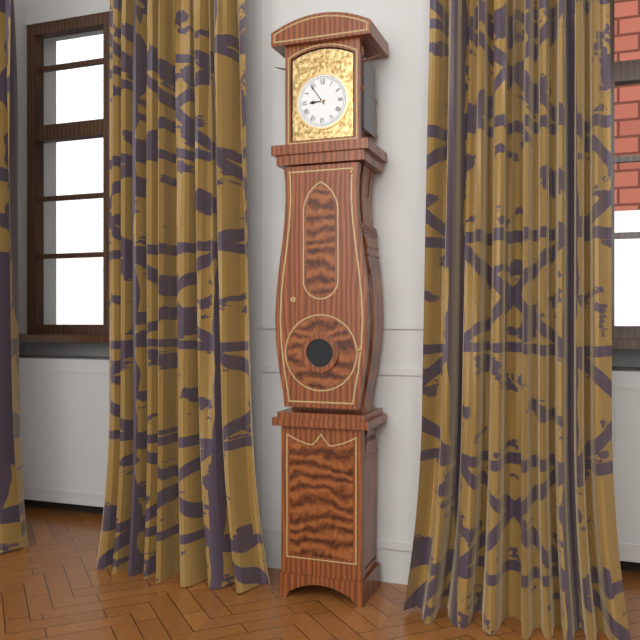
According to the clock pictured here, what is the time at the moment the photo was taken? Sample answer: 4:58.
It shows 8:54
